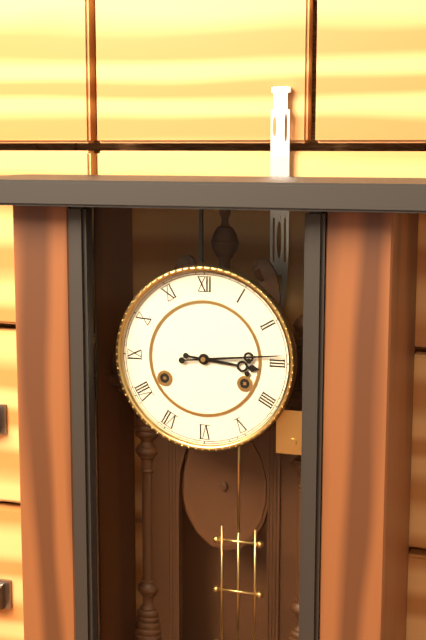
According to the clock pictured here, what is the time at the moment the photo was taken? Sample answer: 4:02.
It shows 3:14
